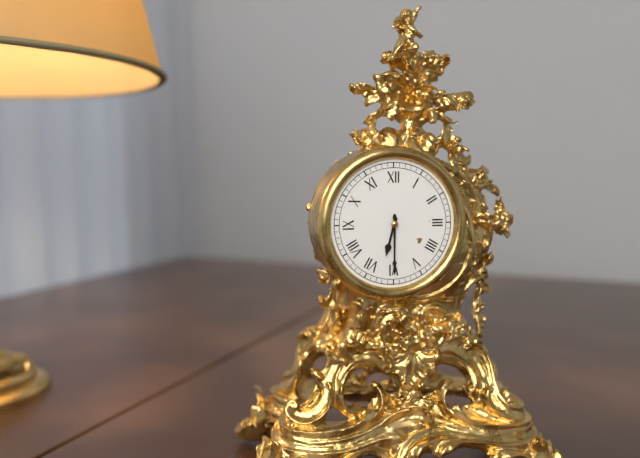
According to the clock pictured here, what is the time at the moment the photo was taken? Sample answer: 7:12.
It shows 6:30
